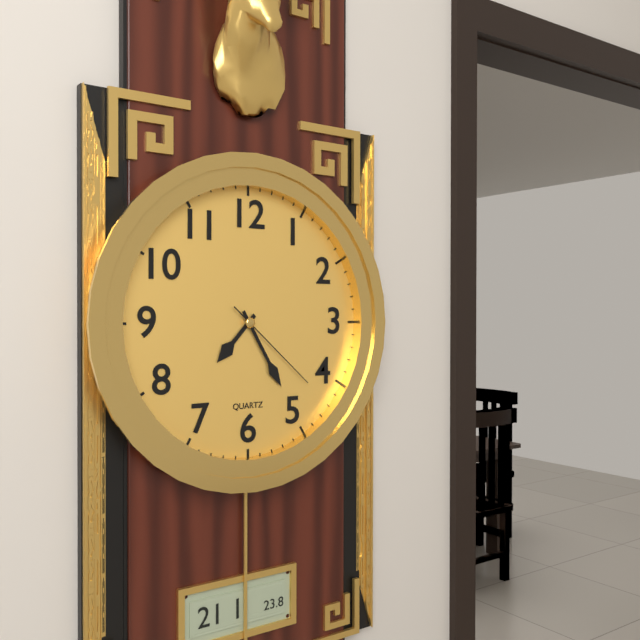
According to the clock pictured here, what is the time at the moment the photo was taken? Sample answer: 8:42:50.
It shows 7:25:22
